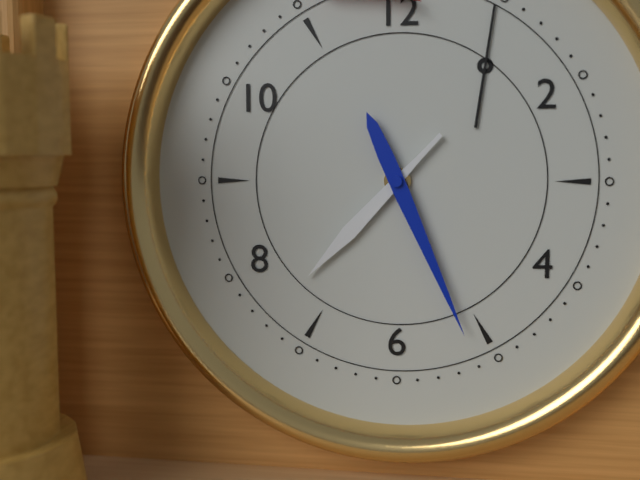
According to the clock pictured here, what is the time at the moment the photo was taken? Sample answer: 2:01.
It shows 7:26
